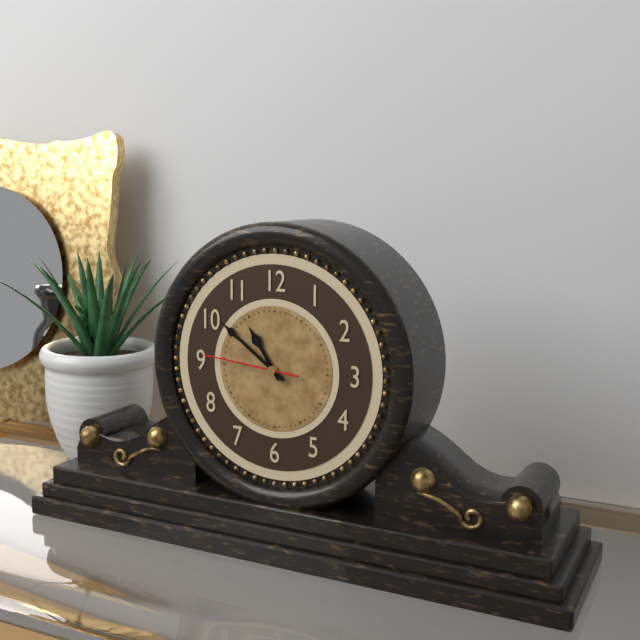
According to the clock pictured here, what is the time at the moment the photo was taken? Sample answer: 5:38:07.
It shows 10:51:46
